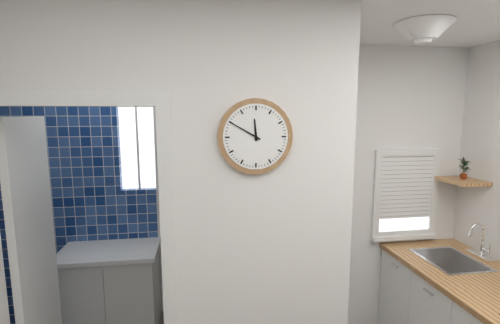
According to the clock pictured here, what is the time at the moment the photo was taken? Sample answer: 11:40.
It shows 11:50
